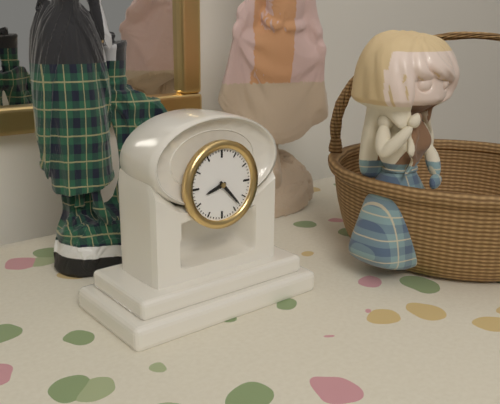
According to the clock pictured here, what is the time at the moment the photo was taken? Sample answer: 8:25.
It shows 8:23
